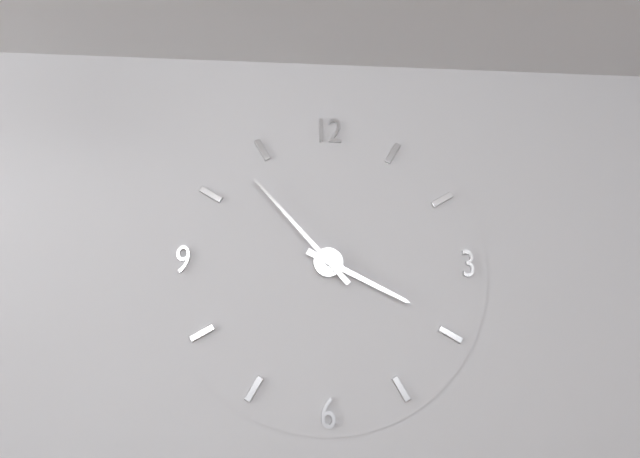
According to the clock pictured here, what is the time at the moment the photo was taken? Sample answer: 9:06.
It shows 3:53
